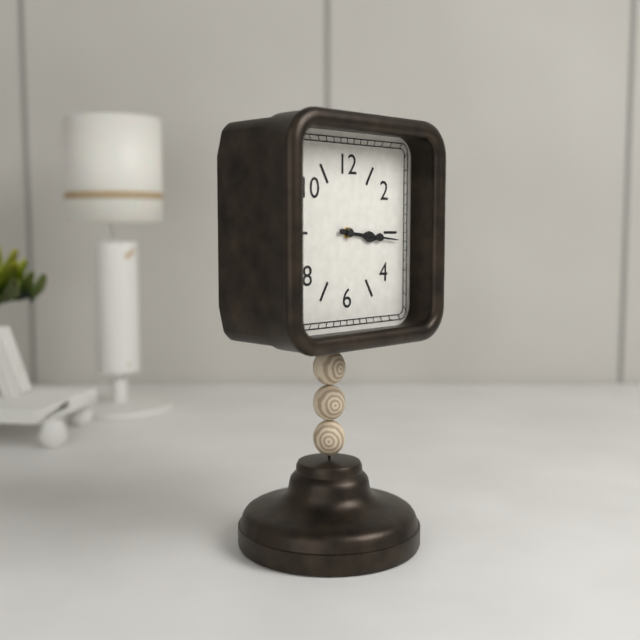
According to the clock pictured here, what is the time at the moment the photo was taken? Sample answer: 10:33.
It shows 3:16
